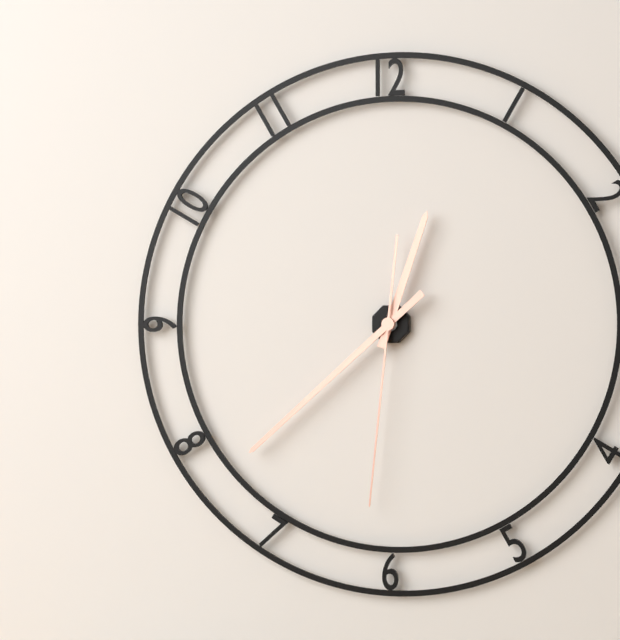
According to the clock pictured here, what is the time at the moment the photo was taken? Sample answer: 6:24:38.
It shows 12:38:31
